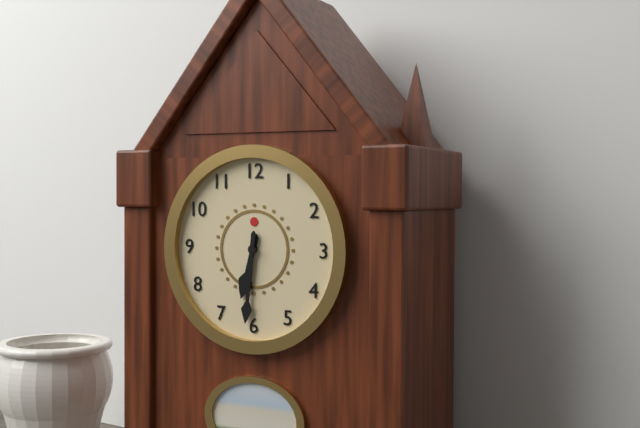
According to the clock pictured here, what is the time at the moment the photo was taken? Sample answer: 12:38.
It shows 6:31
